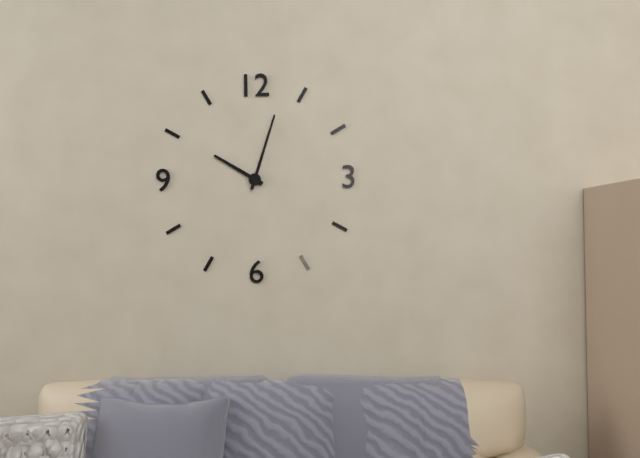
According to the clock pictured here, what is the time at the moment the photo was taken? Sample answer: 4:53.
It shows 10:03
